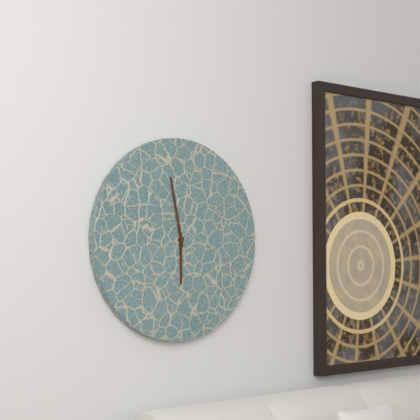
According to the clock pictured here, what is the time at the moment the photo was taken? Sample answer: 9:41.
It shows 5:58
